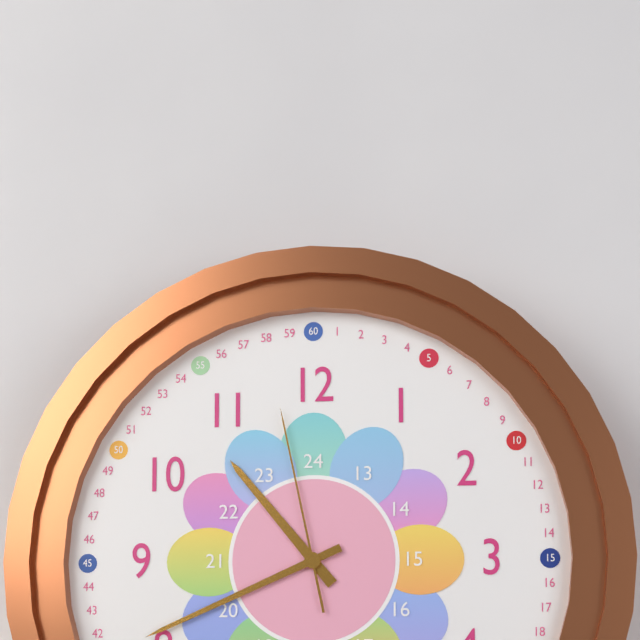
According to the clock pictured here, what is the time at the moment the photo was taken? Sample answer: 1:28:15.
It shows 10:41:58
